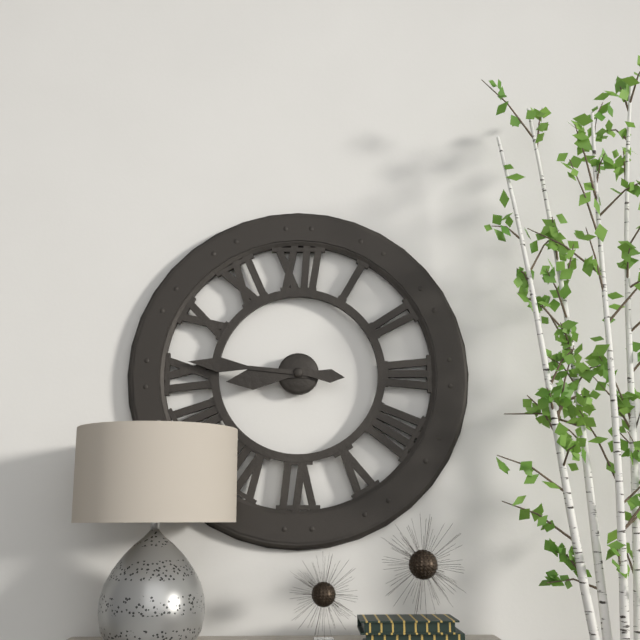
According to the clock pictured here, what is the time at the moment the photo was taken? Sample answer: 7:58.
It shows 8:46
